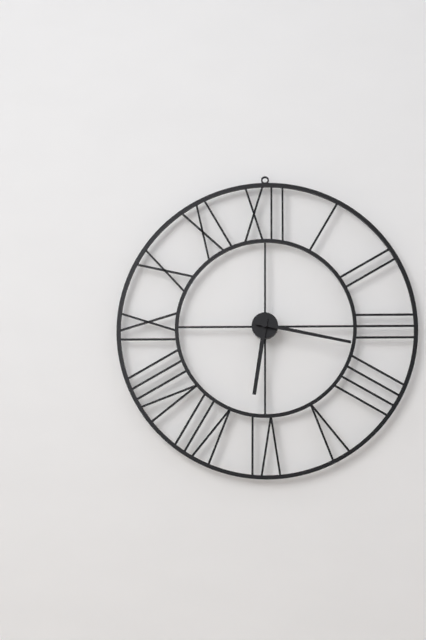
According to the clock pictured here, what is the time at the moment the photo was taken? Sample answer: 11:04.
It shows 6:17
